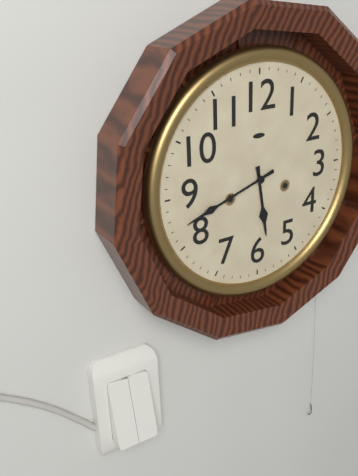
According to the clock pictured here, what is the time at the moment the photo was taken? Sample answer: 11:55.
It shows 5:42
